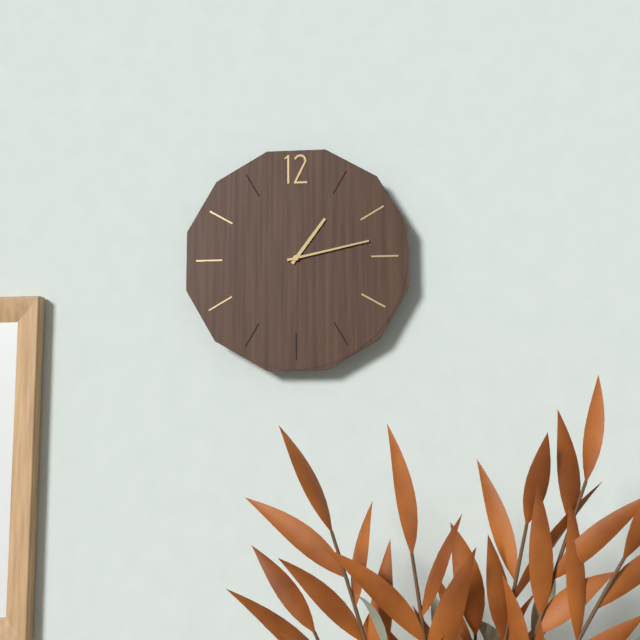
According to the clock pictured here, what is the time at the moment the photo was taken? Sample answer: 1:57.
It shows 1:13
